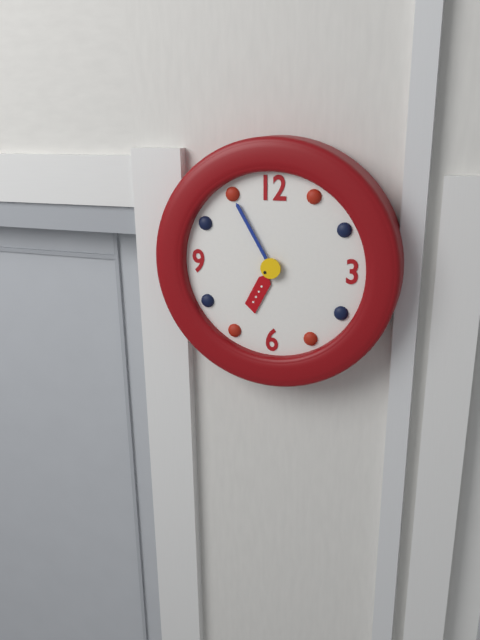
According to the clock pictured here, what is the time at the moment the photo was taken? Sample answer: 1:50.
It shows 6:55
